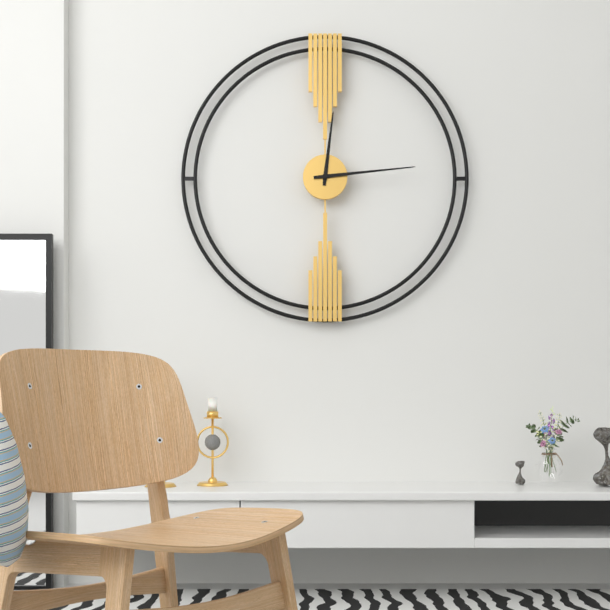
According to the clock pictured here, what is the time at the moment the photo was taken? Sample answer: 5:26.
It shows 12:14
